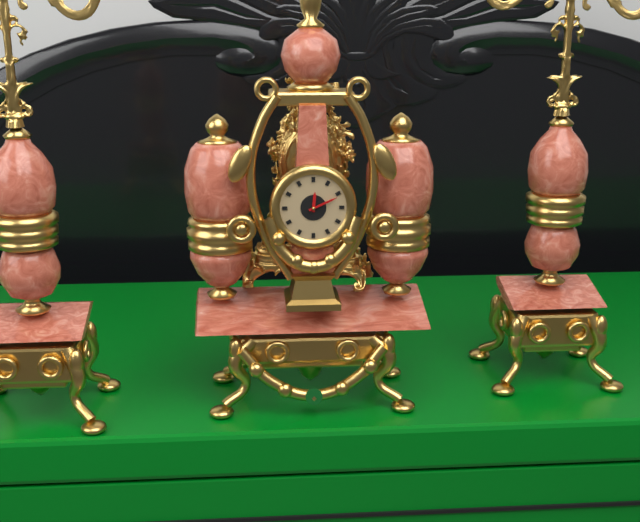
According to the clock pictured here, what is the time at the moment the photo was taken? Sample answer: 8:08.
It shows 12:11
